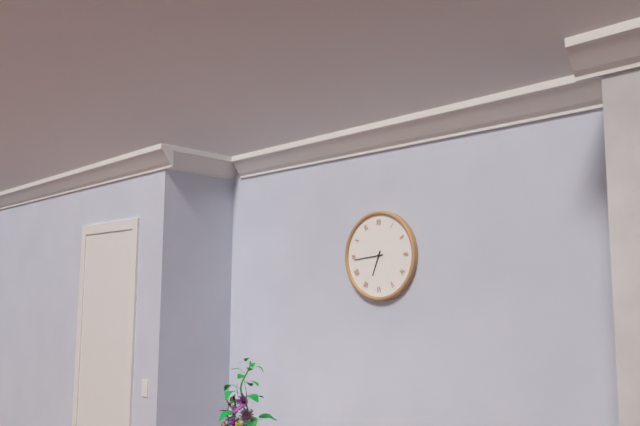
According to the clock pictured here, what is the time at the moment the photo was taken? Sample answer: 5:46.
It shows 6:44
